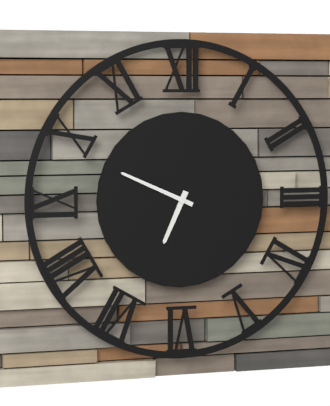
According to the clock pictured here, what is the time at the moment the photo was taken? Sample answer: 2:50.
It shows 6:49
